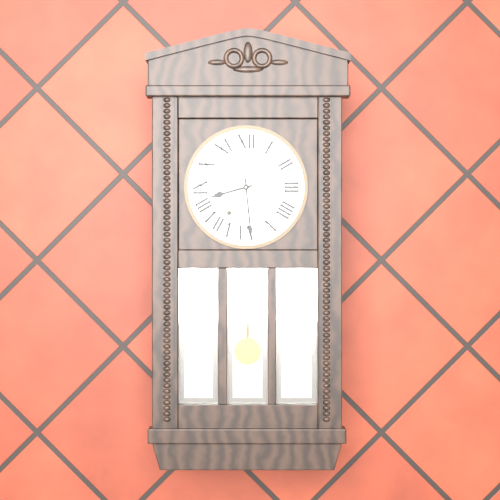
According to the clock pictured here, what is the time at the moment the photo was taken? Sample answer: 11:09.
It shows 8:29
